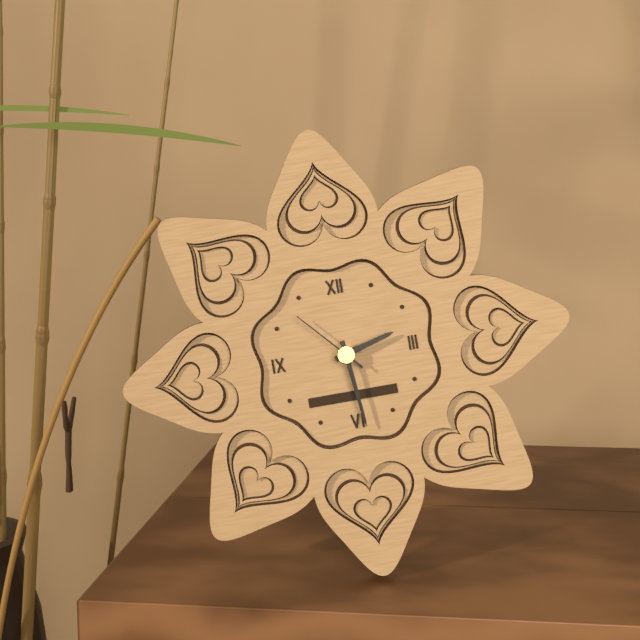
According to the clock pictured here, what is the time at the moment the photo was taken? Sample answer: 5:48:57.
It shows 2:29:53
